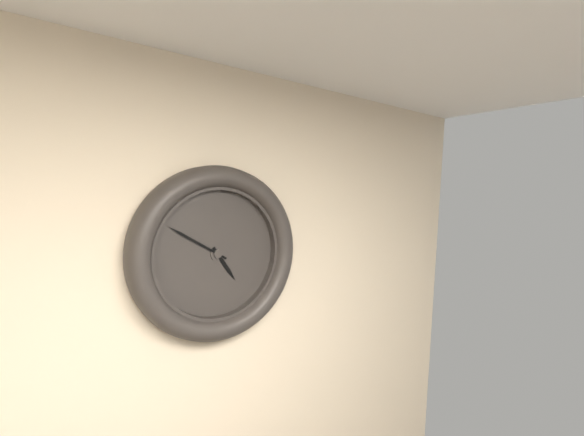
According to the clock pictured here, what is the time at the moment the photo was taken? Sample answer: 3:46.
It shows 4:50
